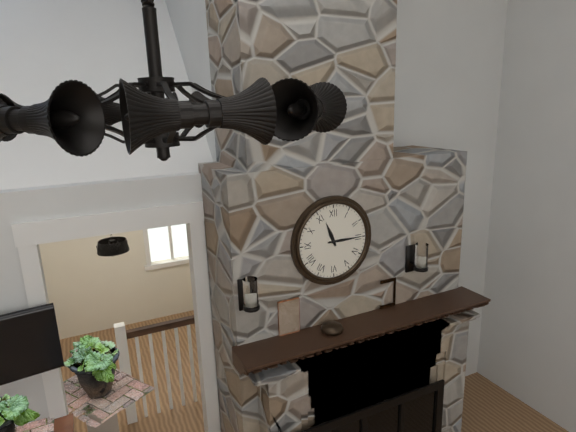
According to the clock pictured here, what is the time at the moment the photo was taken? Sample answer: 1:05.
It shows 11:15
